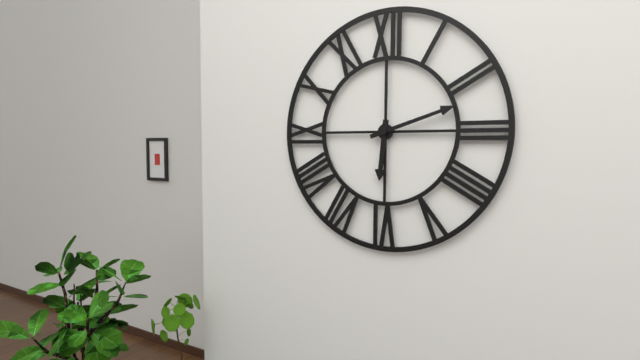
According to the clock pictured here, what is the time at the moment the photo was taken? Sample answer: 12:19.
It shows 6:12
